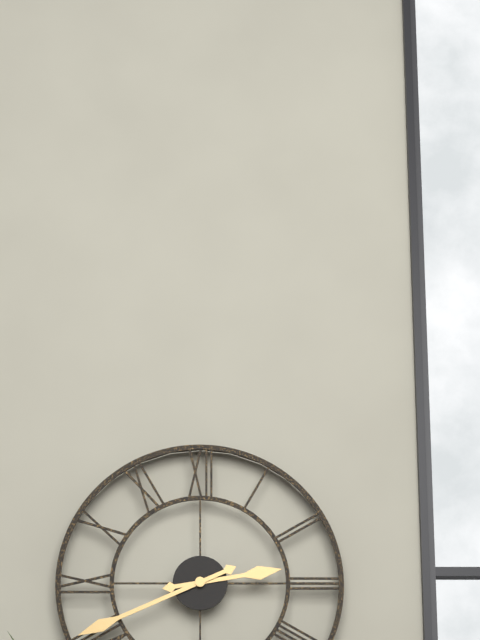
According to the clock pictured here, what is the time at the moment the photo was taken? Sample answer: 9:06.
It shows 2:41
